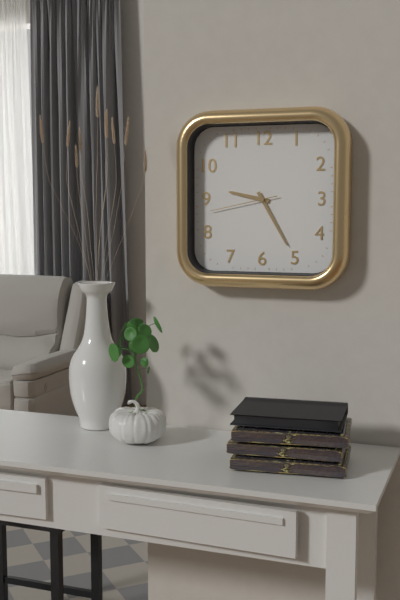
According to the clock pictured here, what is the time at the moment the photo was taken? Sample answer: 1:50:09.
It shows 9:25:43
